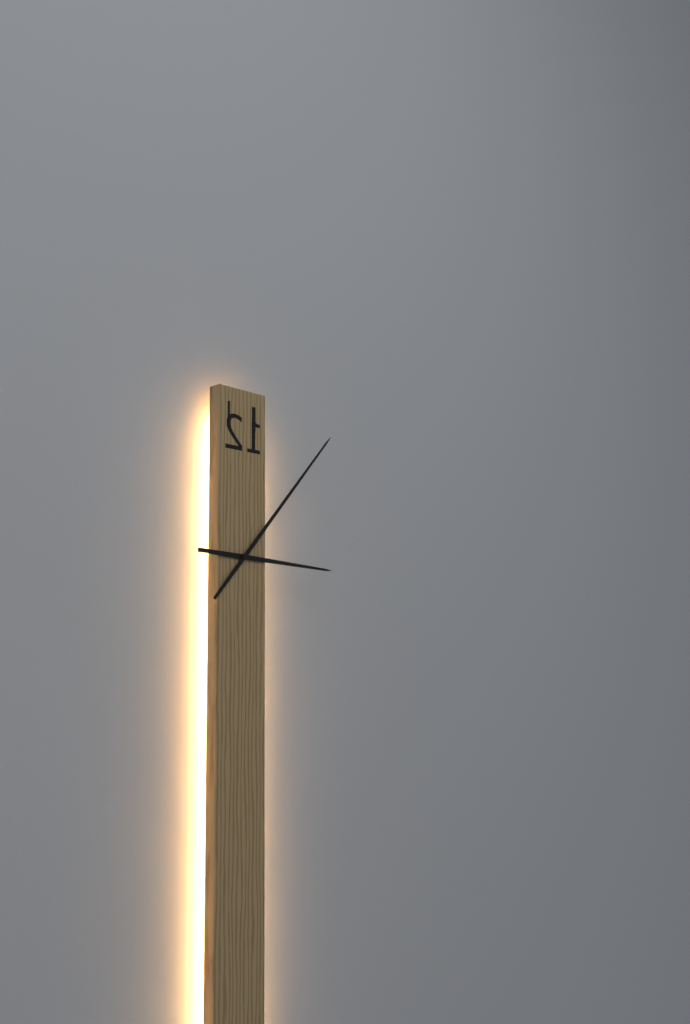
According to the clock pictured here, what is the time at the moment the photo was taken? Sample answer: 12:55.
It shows 3:07
